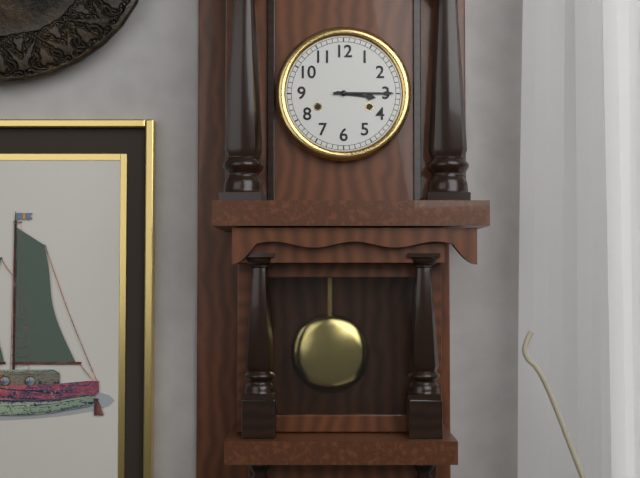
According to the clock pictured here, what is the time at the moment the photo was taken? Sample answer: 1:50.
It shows 3:15
